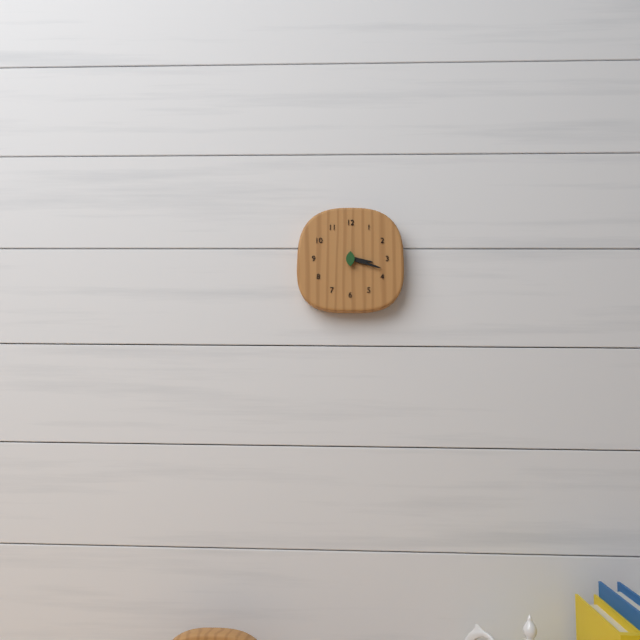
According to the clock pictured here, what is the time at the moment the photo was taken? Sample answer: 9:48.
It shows 3:18
